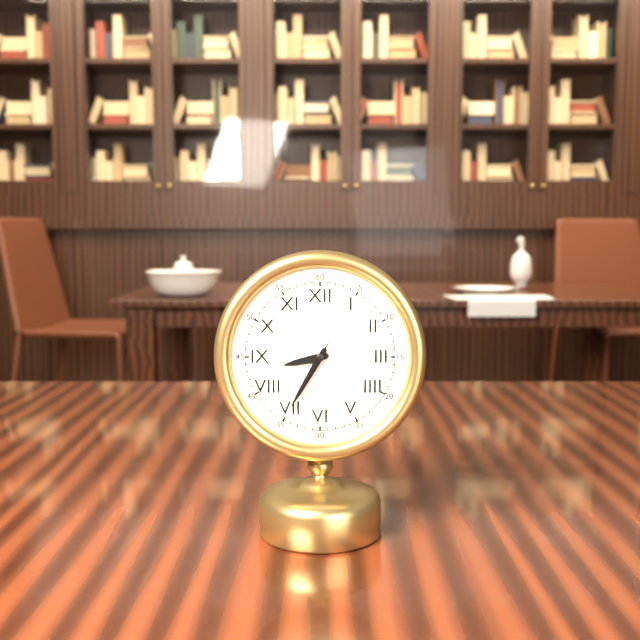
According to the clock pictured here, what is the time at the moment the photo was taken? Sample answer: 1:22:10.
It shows 8:35:35
